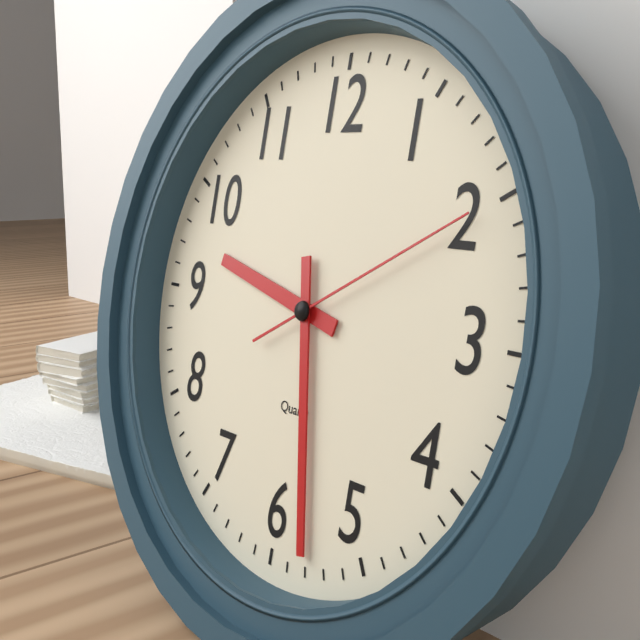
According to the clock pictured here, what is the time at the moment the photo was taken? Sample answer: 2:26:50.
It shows 9:28:10
